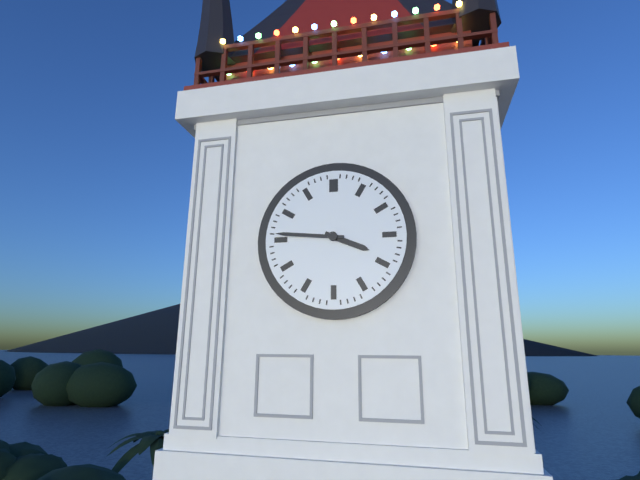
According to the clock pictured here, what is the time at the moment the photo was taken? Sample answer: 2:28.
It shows 3:46
